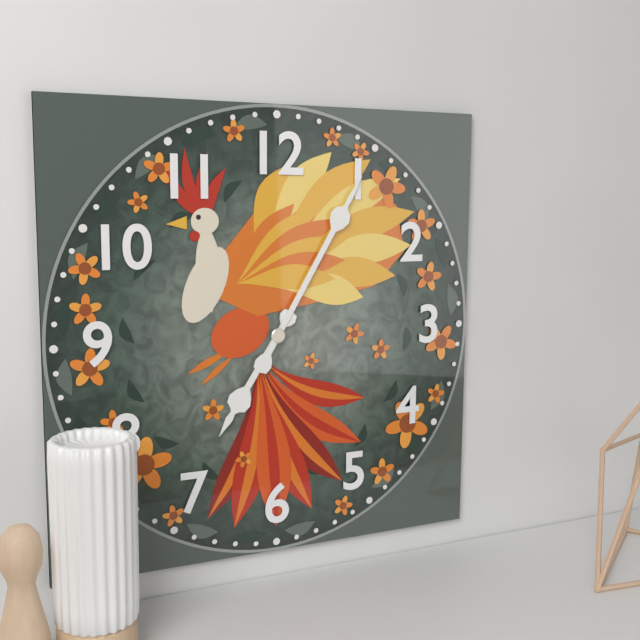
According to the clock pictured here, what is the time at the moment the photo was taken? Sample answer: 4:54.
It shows 7:05
